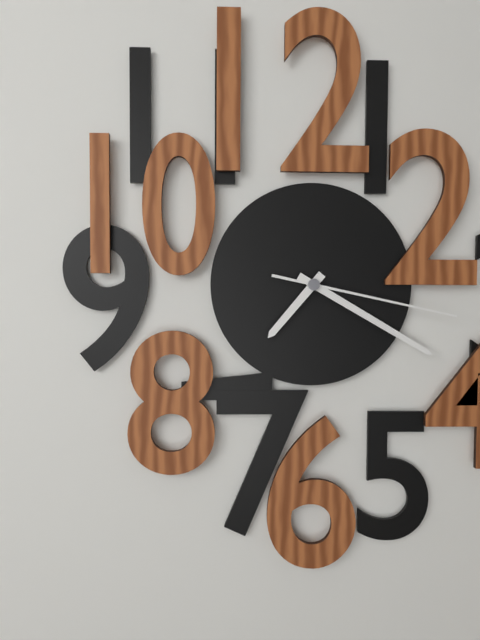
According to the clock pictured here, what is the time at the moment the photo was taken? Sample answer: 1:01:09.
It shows 7:20:17
